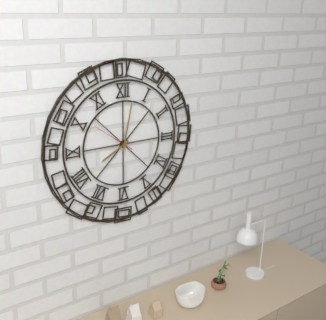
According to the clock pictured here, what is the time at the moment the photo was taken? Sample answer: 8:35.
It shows 8:02
